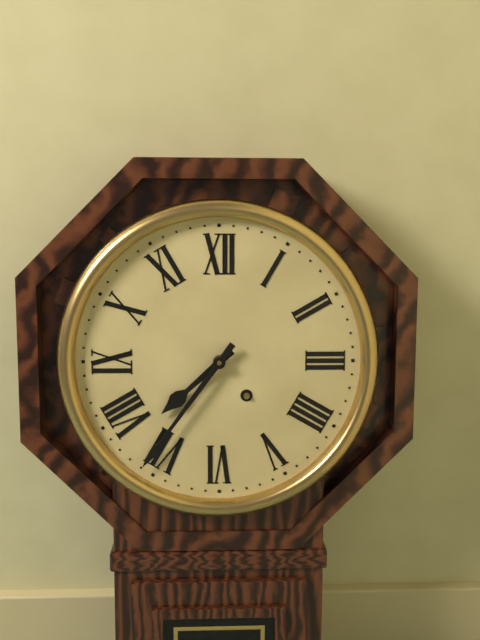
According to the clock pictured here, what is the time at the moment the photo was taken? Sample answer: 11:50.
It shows 7:36
